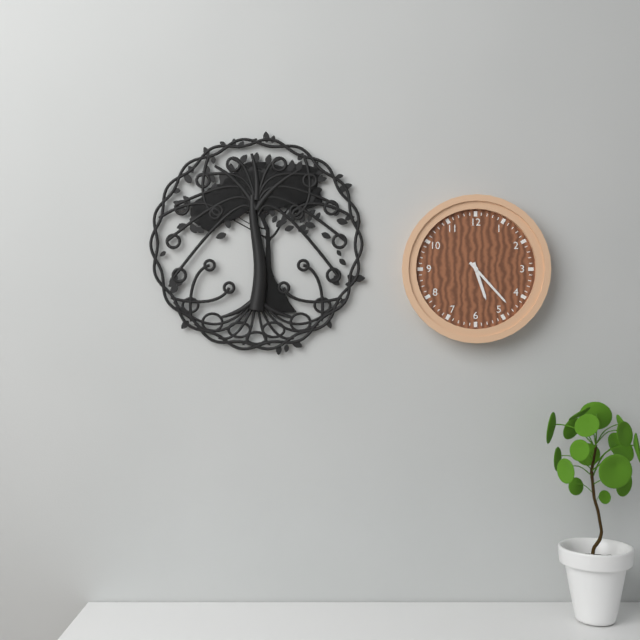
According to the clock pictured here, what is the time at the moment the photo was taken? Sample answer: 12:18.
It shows 5:23
